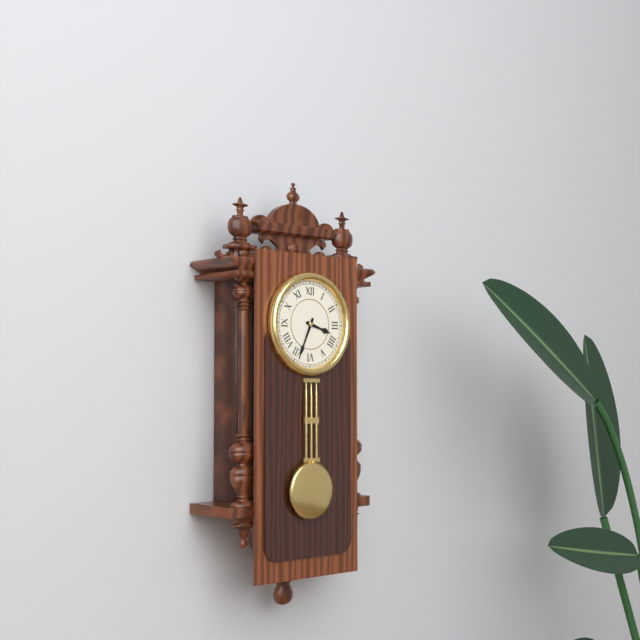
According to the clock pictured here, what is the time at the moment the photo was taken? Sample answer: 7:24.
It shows 3:34
